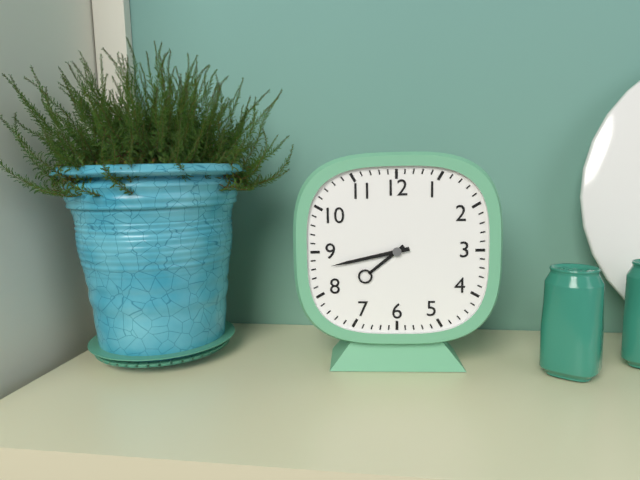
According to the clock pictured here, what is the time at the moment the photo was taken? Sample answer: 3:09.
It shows 7:43
